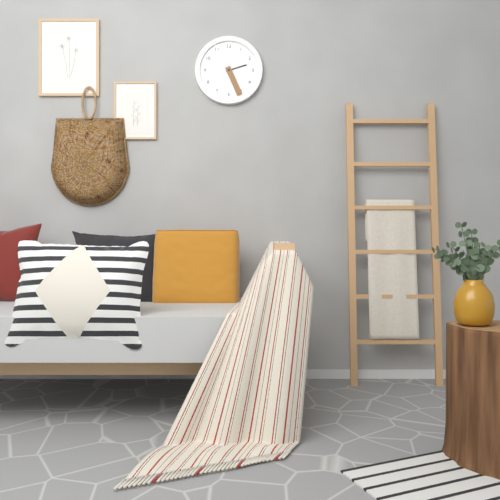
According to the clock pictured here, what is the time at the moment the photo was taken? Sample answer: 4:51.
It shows 2:26
